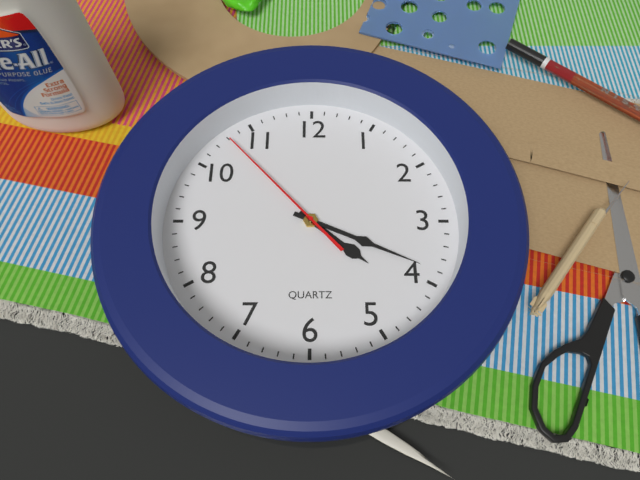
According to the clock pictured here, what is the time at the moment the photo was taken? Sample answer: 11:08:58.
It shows 4:19:53
